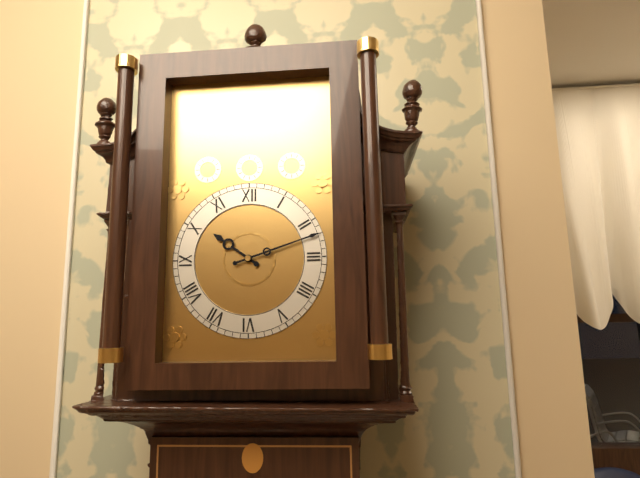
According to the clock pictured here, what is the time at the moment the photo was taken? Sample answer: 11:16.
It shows 10:12
